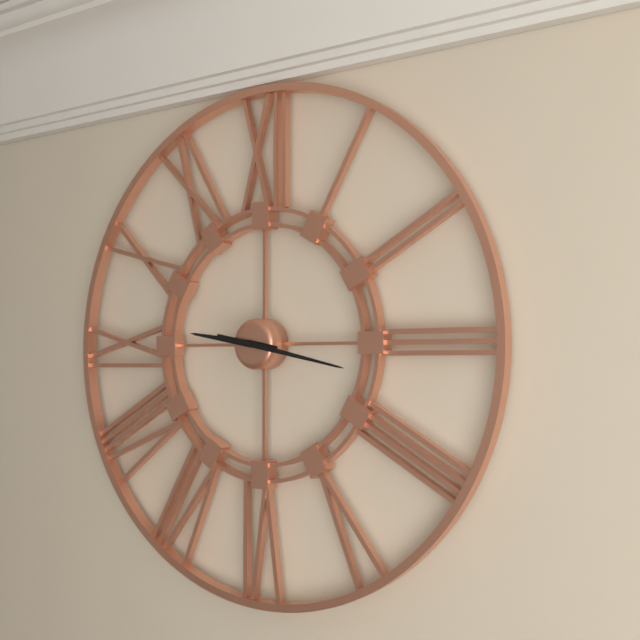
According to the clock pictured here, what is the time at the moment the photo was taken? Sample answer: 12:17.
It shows 9:17
